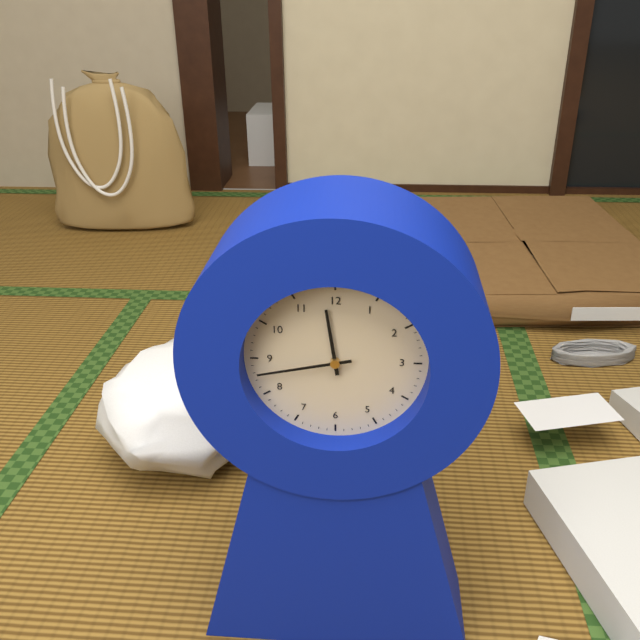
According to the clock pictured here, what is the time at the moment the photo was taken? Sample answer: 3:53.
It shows 11:43
